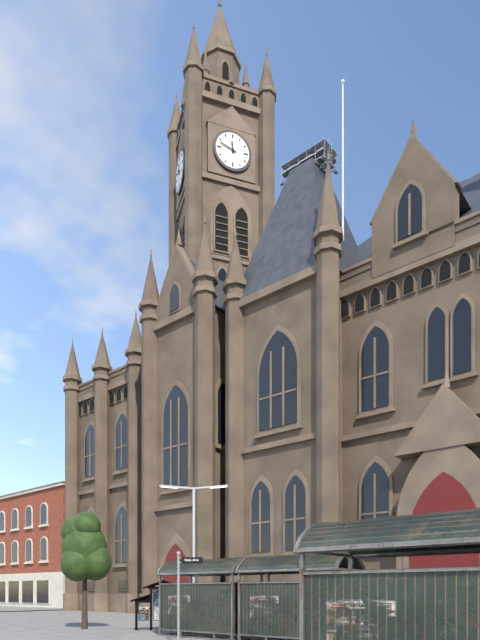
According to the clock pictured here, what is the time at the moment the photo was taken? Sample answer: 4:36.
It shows 11:48
